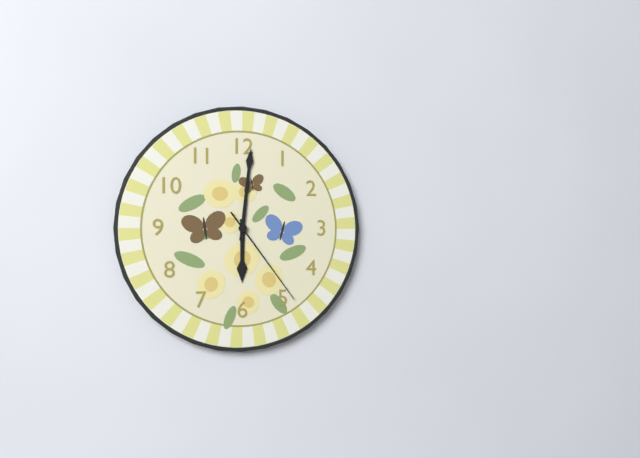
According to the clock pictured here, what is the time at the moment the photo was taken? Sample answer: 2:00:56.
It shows 6:01:24
